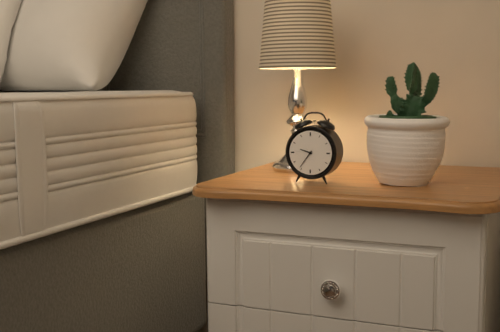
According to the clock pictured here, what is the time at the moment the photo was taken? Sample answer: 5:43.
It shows 9:36
